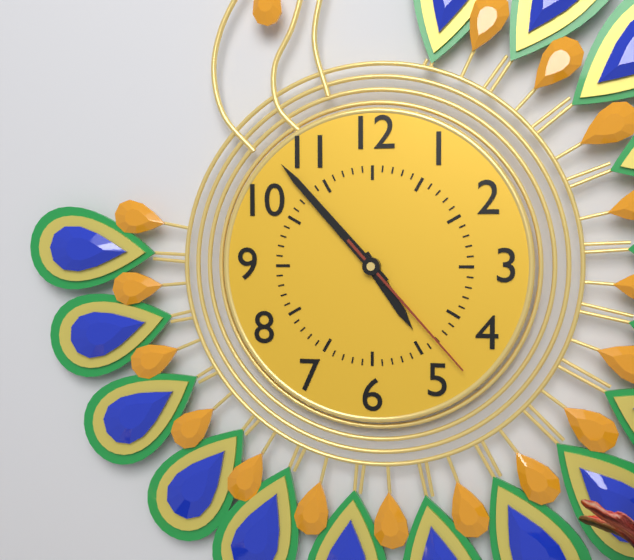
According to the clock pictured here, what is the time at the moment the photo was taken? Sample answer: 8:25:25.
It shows 4:53:23
